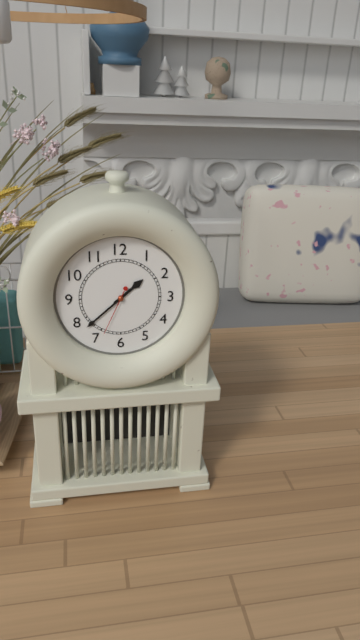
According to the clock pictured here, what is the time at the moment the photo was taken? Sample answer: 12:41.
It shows 1:38
